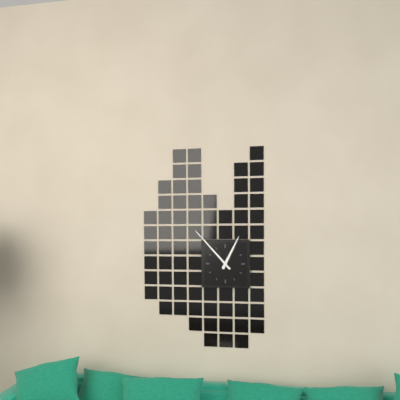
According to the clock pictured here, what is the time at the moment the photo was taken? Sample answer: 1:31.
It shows 12:53
